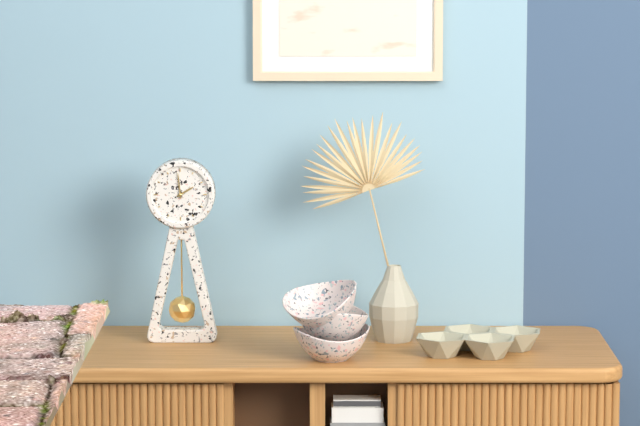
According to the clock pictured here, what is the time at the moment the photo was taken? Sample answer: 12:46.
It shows 1:59
